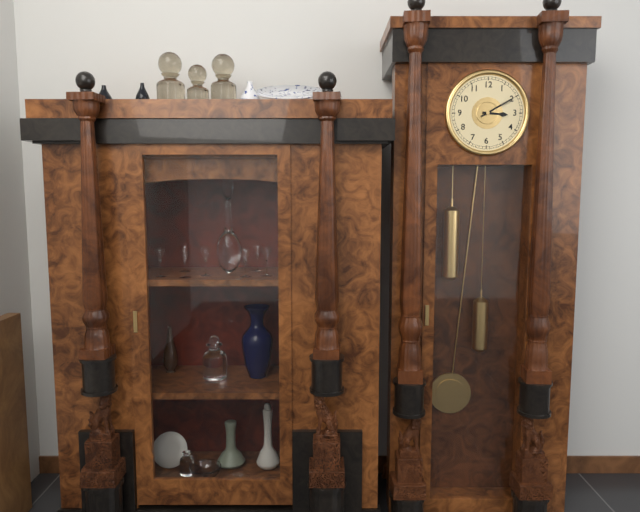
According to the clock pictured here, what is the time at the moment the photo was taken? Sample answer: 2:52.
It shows 3:10
